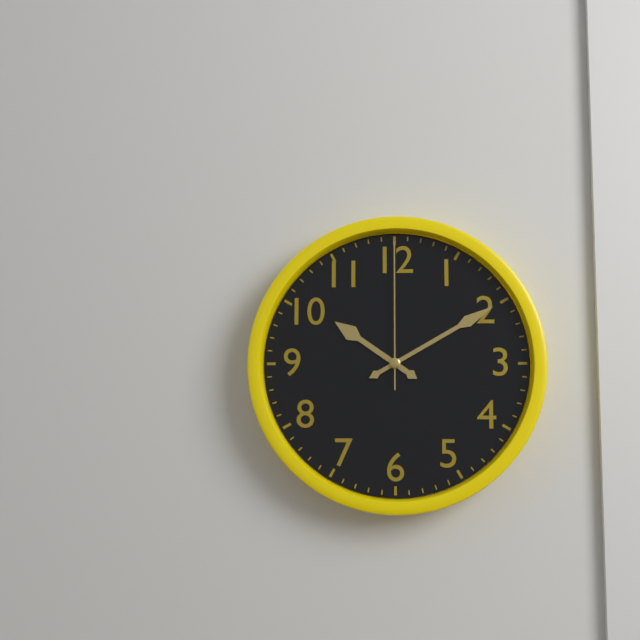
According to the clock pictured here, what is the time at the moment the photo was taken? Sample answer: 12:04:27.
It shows 10:10:00
